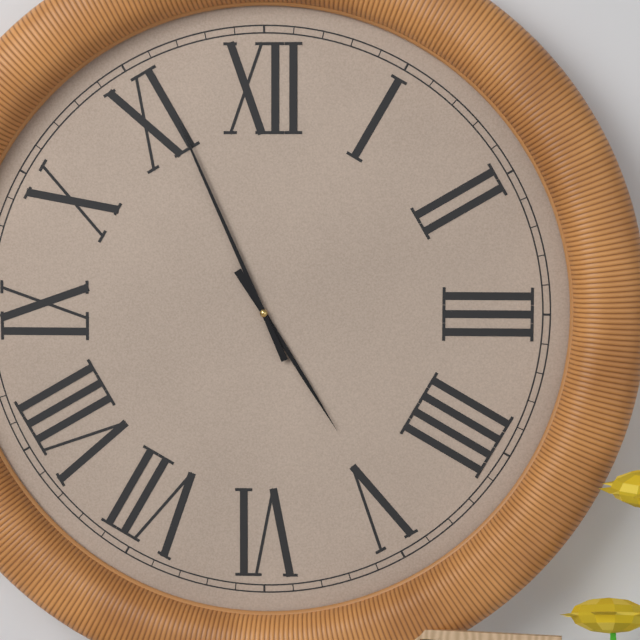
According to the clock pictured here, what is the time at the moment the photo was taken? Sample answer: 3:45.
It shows 4:56
